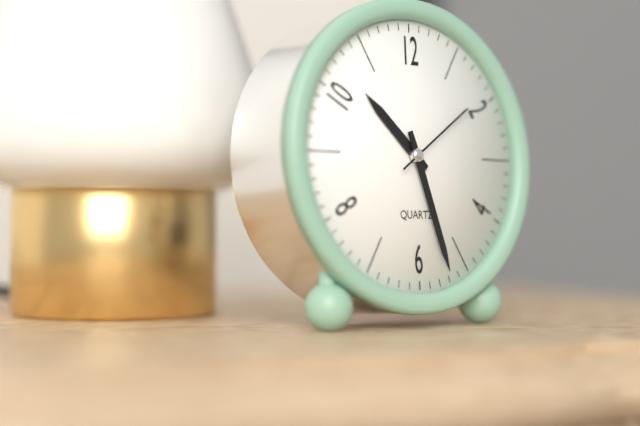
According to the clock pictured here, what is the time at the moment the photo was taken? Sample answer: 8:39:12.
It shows 10:27:09
